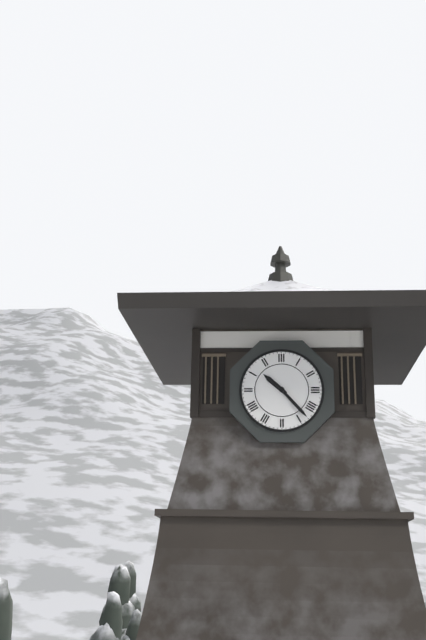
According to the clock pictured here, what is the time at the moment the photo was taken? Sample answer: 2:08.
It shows 10:23
